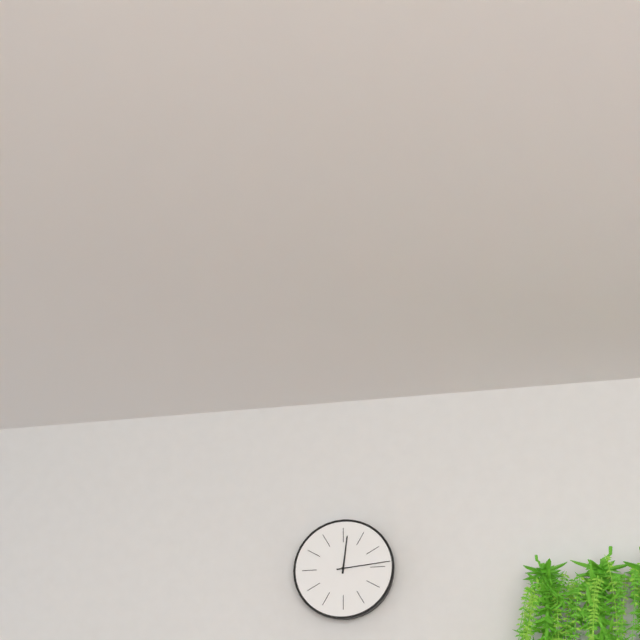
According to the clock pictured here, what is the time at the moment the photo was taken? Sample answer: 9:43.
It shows 12:14
